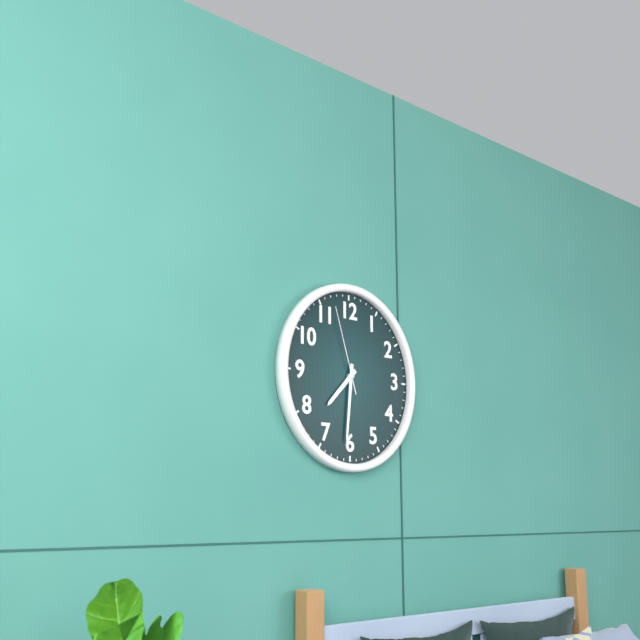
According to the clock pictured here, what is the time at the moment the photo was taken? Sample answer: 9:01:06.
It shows 7:31:57
